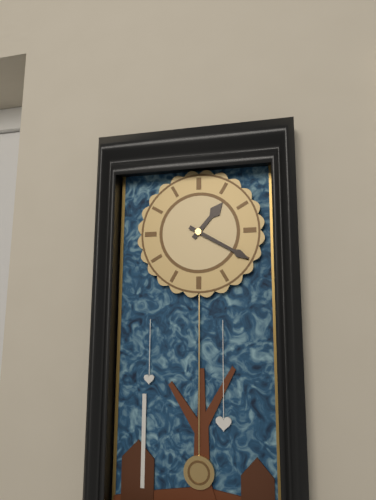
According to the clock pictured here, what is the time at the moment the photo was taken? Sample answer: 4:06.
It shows 1:20
